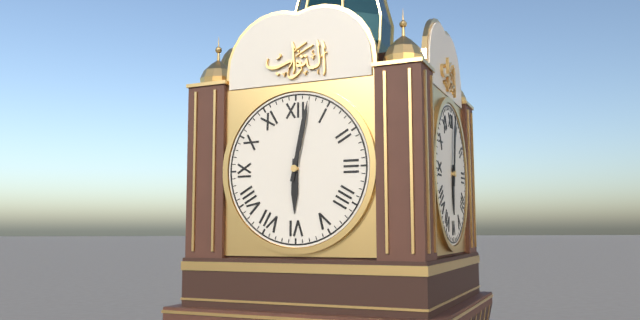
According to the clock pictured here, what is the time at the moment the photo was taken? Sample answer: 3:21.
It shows 6:02
